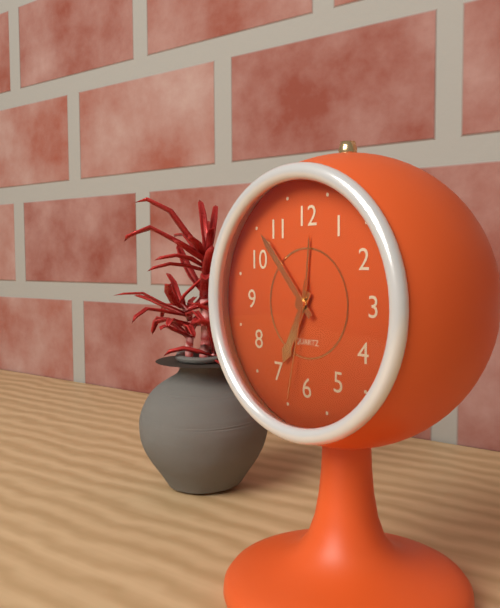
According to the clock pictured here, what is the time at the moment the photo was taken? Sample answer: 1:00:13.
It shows 6:53:32
